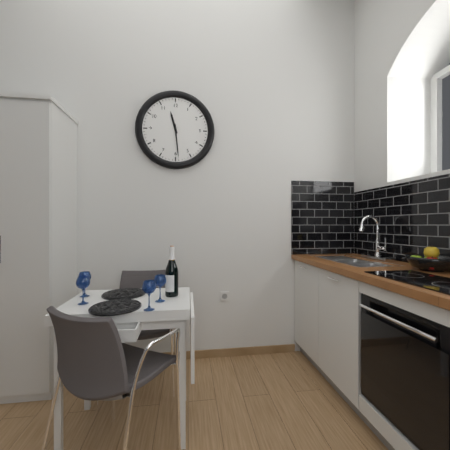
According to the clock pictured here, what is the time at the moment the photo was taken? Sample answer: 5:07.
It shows 11:29
